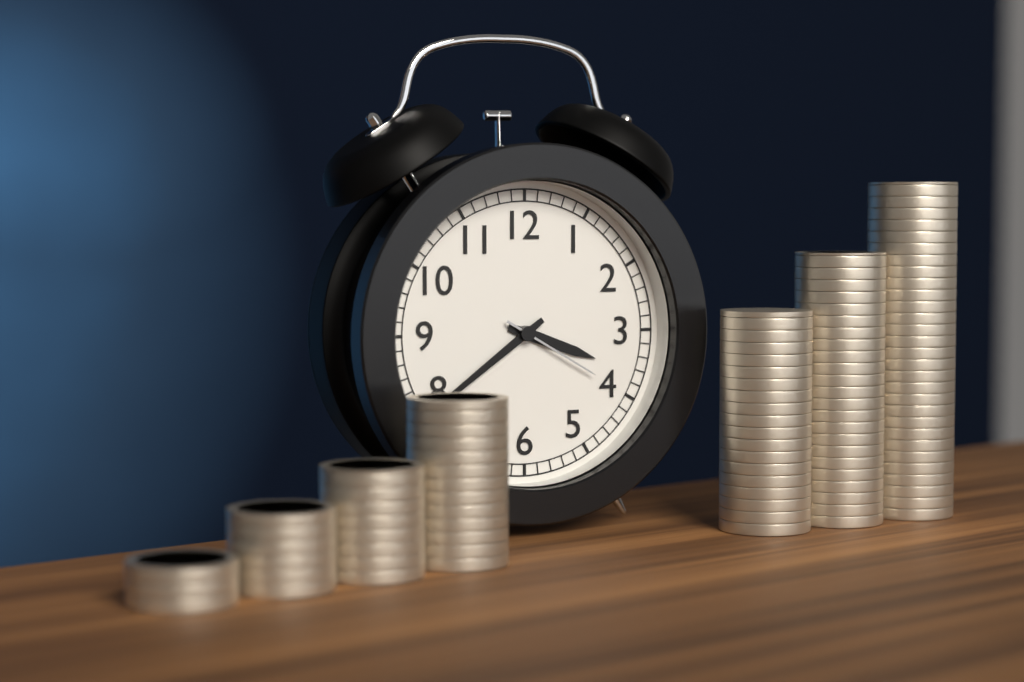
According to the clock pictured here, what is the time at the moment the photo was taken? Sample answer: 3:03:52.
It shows 3:39:20
